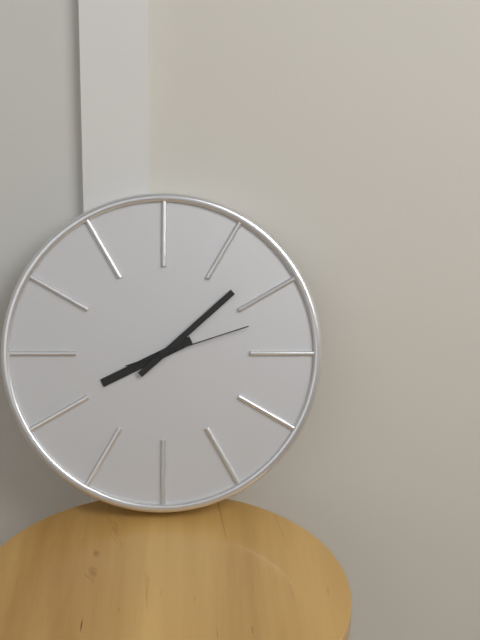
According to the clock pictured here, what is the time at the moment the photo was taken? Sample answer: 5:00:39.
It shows 8:08:12
